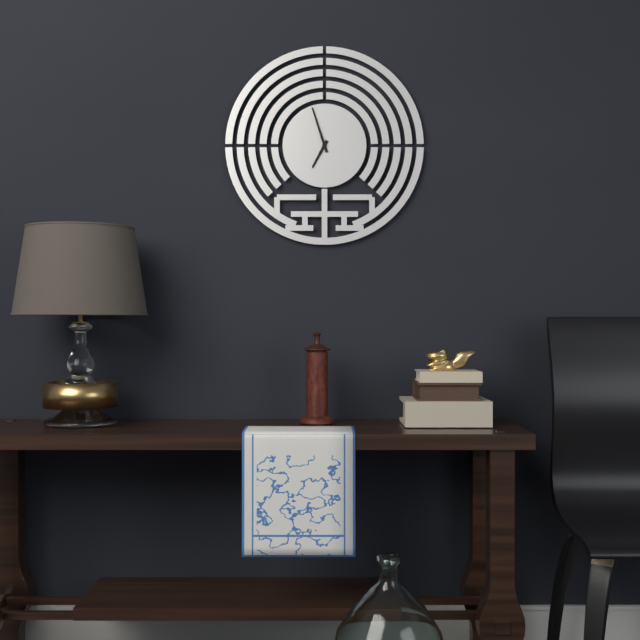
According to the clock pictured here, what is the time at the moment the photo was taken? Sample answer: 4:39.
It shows 6:57
